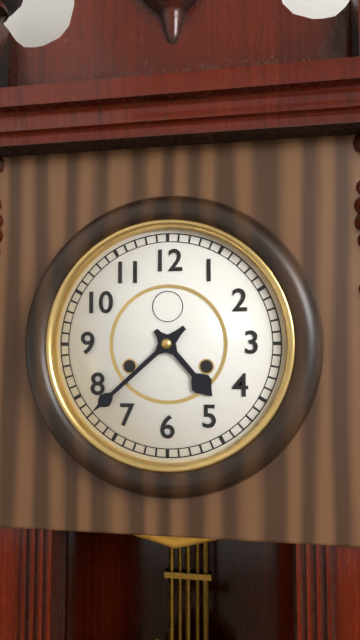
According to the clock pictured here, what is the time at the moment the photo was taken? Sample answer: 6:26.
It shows 4:38
